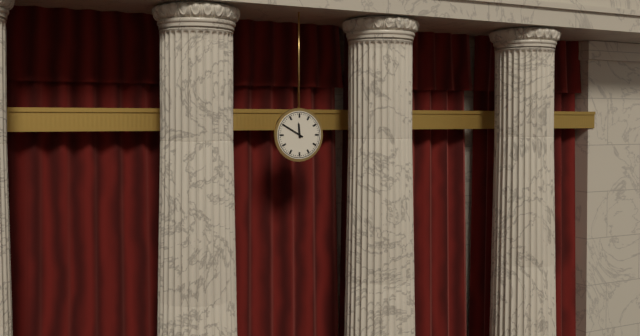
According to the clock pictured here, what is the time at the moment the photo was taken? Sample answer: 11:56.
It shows 11:50
